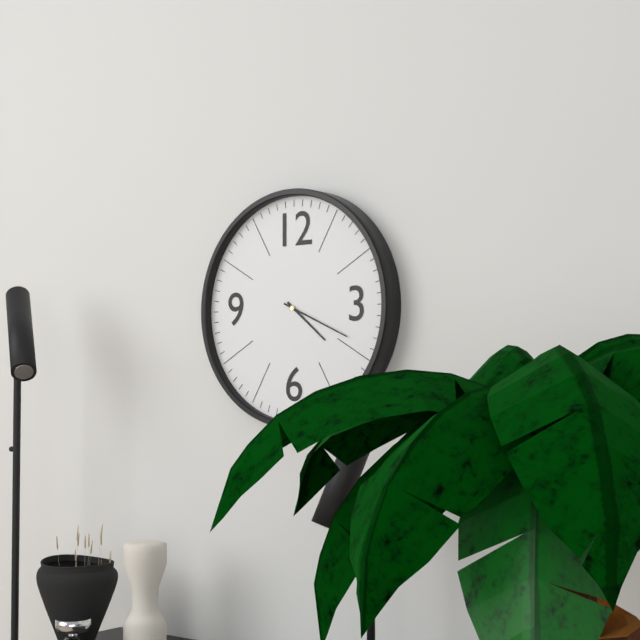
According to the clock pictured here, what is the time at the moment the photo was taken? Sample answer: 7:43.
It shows 4:19
